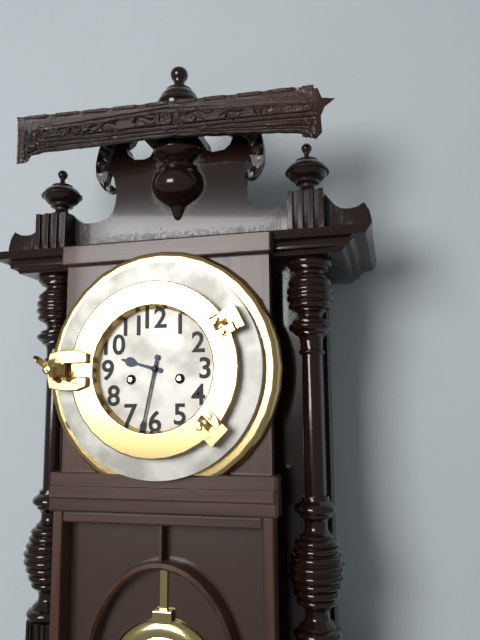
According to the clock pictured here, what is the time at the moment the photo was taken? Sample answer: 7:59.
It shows 9:32
